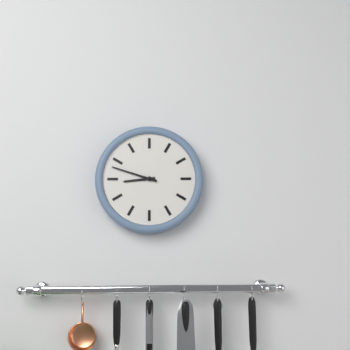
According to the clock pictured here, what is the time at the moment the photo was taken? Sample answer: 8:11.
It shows 8:48
